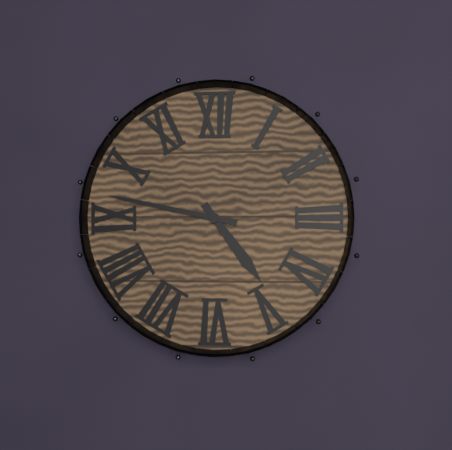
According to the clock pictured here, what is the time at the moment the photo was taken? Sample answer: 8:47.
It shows 4:47
